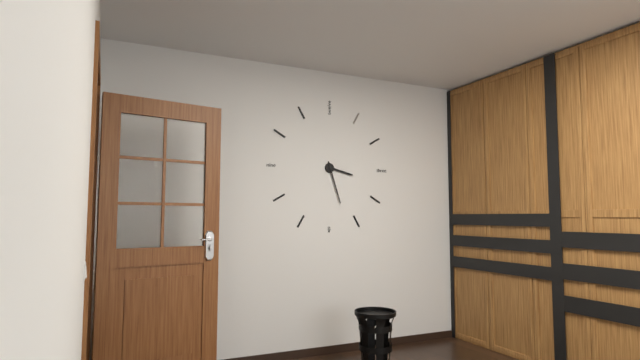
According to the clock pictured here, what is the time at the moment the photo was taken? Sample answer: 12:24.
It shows 3:27
